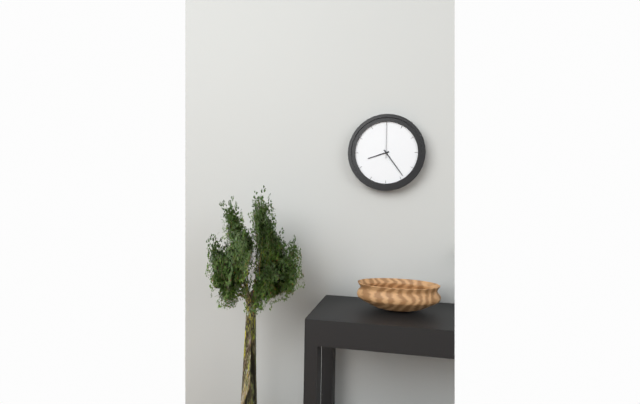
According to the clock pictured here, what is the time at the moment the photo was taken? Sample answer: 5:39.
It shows 8:24
